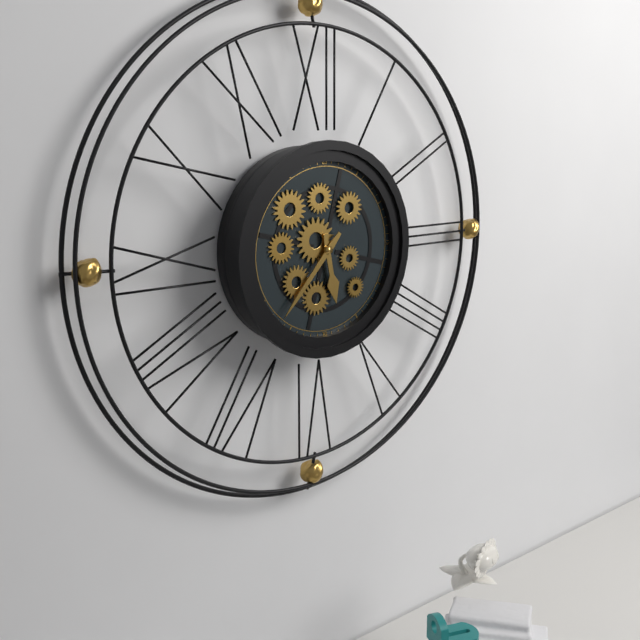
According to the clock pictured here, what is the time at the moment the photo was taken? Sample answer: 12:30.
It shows 5:37
